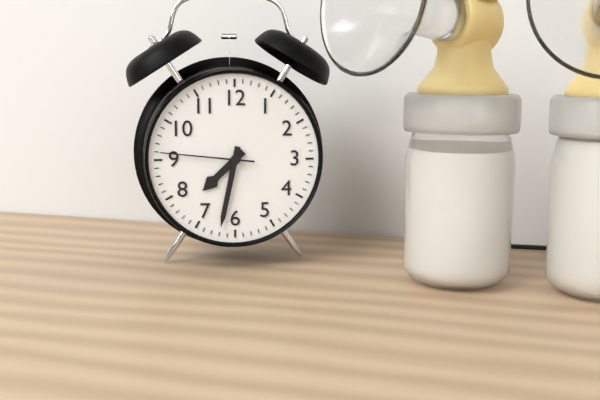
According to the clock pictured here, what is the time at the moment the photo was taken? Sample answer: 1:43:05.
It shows 7:32:46
